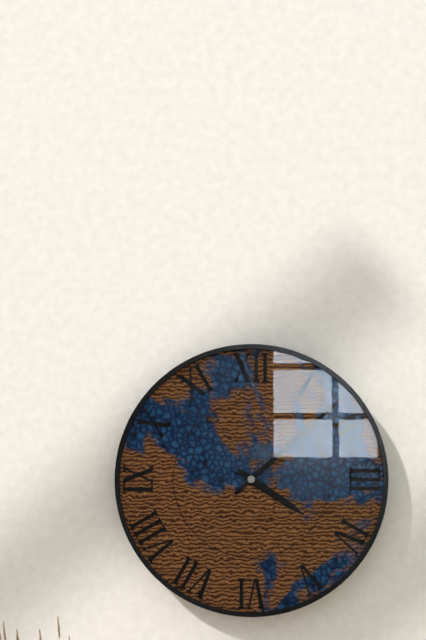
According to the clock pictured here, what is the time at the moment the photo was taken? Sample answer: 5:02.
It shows 4:08
